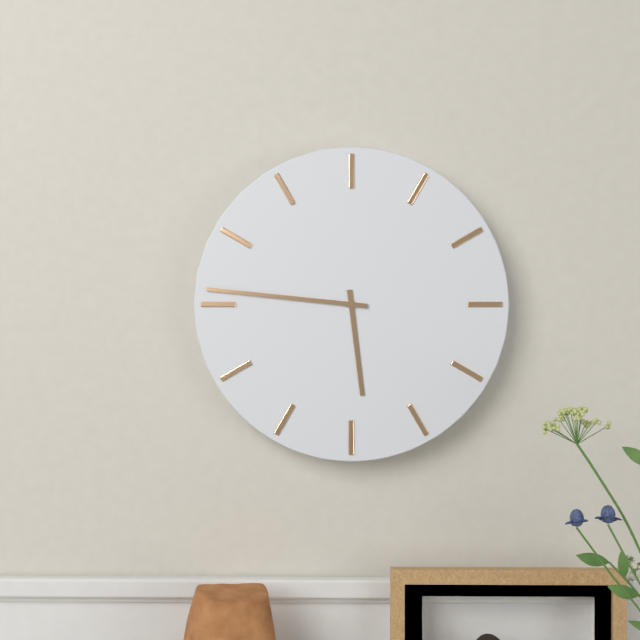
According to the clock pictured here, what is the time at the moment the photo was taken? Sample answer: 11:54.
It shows 5:46
